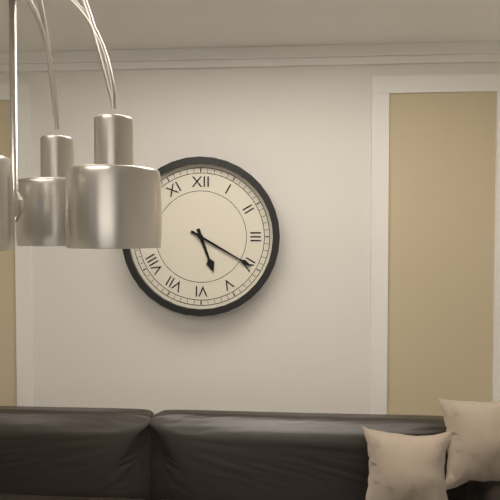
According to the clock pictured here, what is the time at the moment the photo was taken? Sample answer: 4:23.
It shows 5:20
